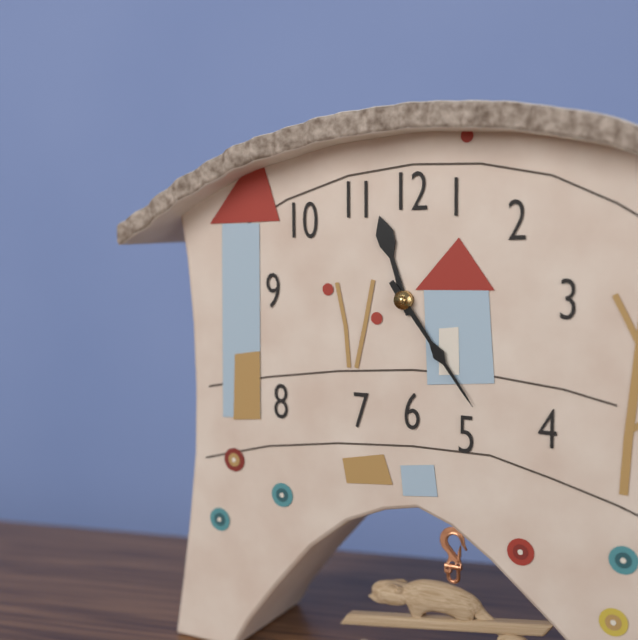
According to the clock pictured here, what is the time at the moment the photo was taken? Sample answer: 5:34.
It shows 11:24
